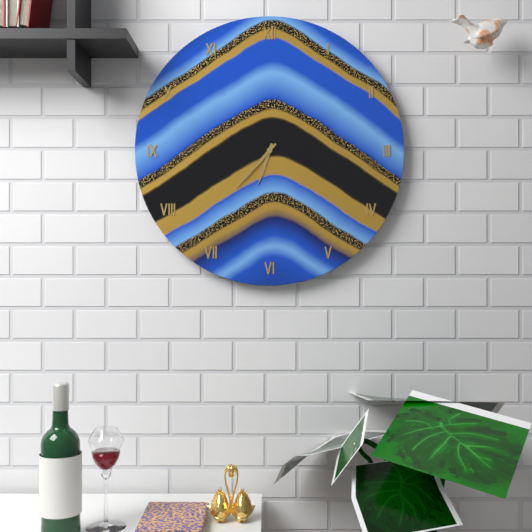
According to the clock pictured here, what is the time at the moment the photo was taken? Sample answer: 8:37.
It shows 6:37
